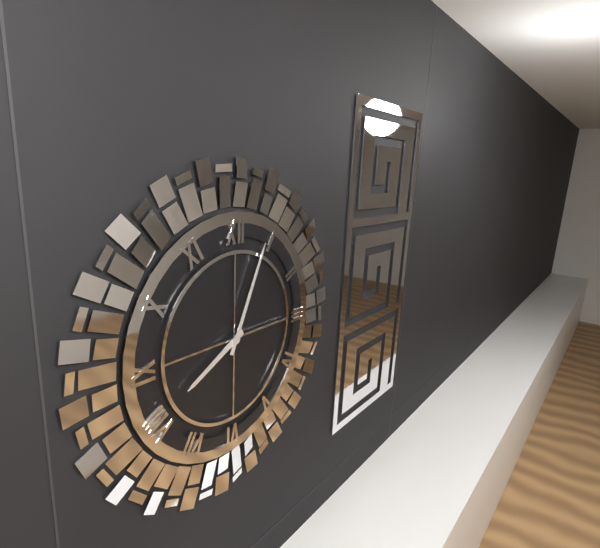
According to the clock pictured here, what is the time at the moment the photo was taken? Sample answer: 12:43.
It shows 8:04
